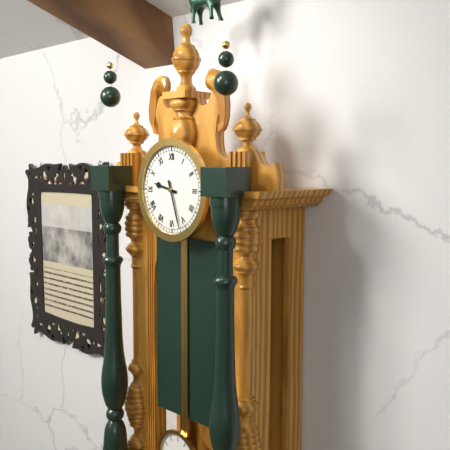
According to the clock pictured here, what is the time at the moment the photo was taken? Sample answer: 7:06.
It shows 9:27
